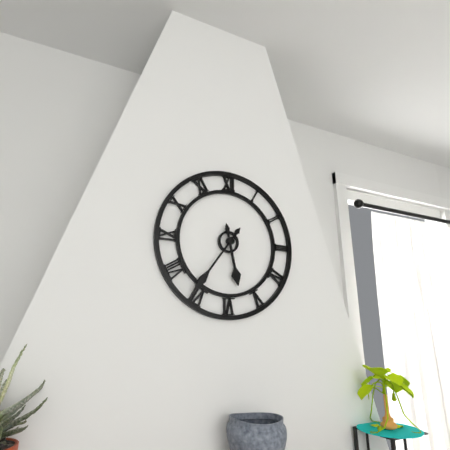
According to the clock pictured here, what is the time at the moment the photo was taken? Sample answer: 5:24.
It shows 5:36
